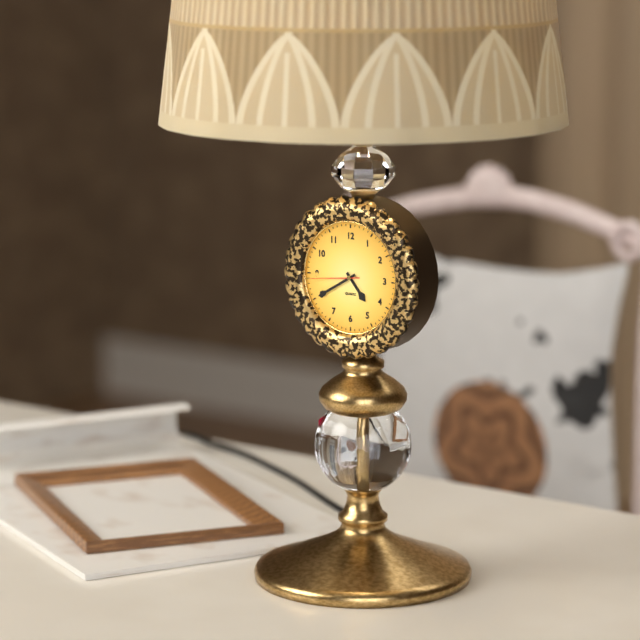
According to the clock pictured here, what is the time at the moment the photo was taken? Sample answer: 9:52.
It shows 4:40
